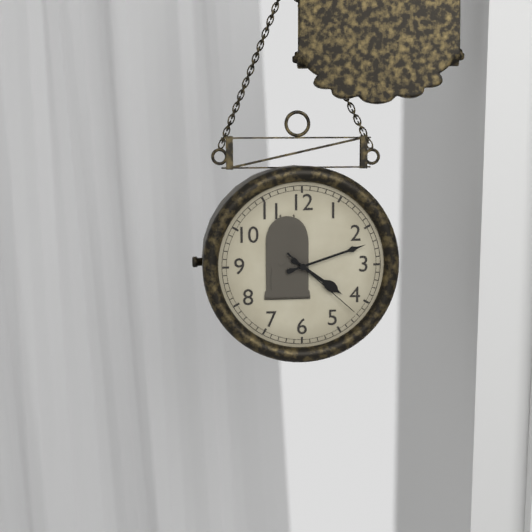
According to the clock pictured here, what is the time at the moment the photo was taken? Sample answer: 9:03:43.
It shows 4:12:22
